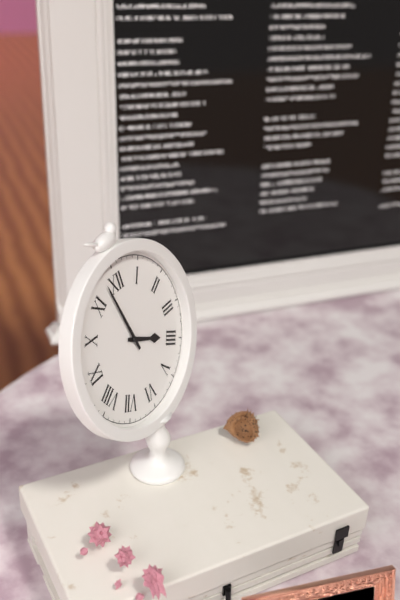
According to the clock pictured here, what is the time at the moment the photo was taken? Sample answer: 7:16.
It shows 3:58
